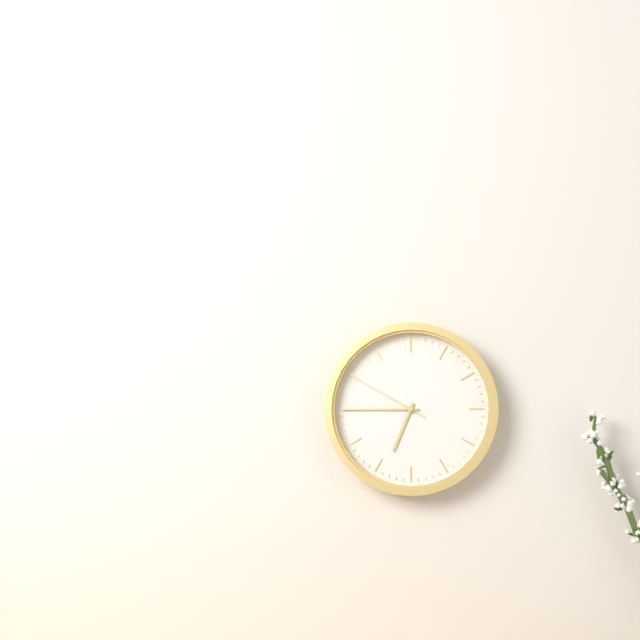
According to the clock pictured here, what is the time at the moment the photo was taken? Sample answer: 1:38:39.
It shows 6:45:50
